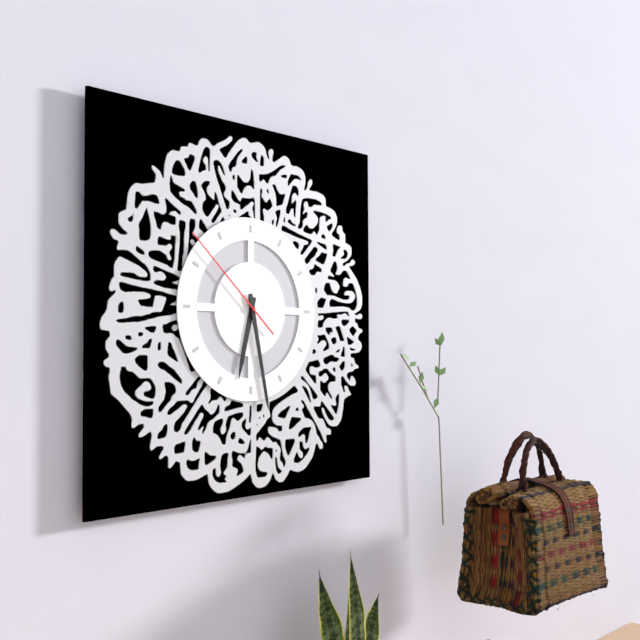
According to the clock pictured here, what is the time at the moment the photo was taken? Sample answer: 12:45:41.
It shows 6:28:52
